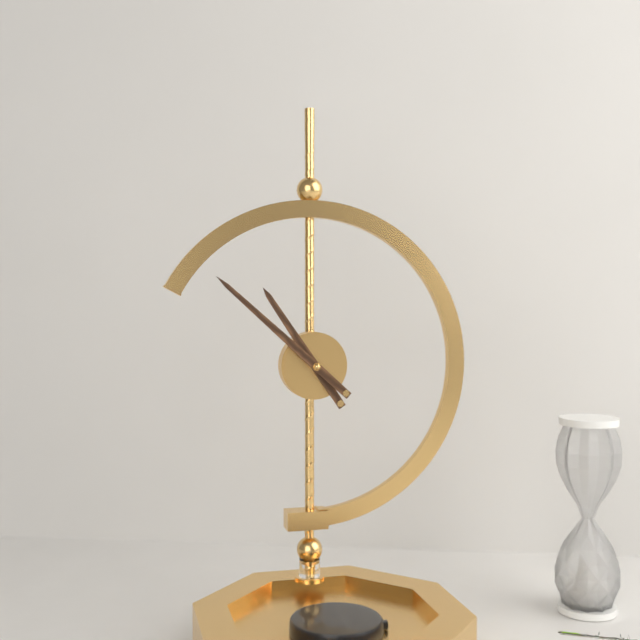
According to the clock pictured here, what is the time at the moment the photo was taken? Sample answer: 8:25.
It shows 10:52
